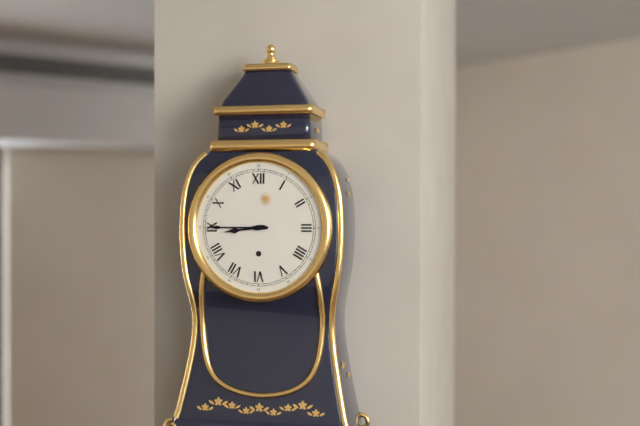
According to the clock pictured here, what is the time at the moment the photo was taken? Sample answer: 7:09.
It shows 8:45
